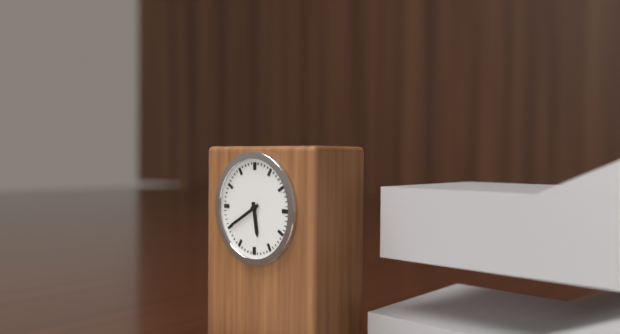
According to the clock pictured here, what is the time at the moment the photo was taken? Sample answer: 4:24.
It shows 5:40
